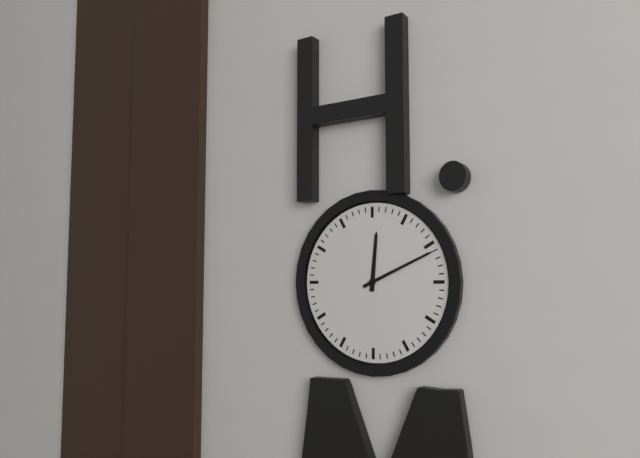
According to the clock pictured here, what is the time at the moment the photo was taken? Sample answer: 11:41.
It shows 12:11
